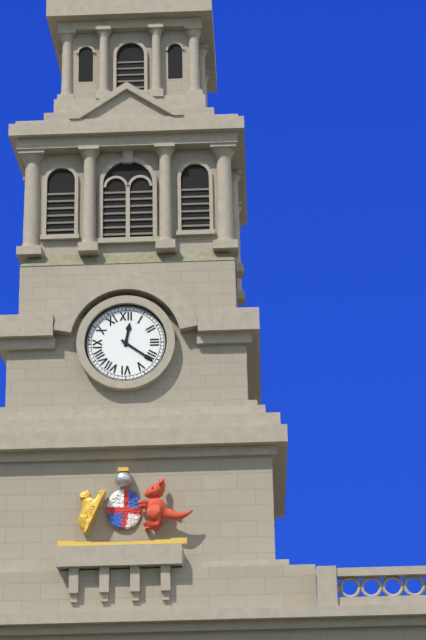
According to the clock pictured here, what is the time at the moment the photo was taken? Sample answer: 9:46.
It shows 12:21
